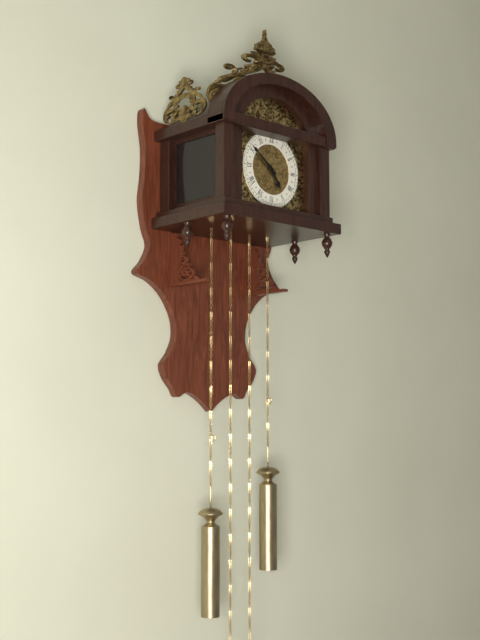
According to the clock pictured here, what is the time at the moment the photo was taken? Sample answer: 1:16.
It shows 4:51
